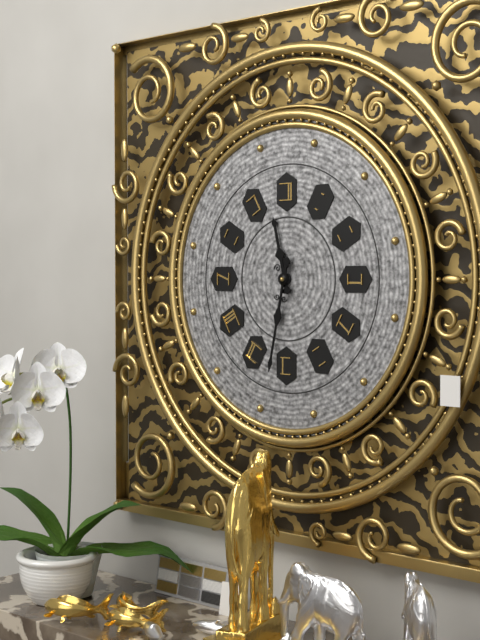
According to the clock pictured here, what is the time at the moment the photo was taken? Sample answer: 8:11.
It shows 11:32
